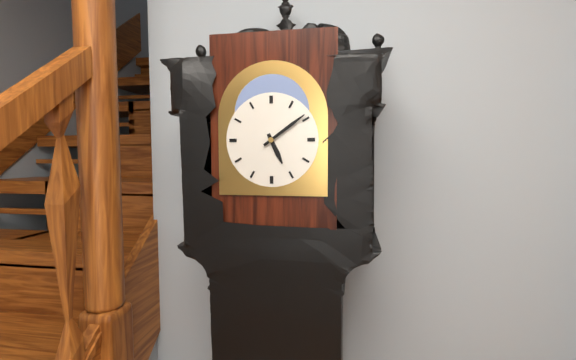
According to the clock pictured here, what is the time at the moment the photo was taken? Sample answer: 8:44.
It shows 5:09
